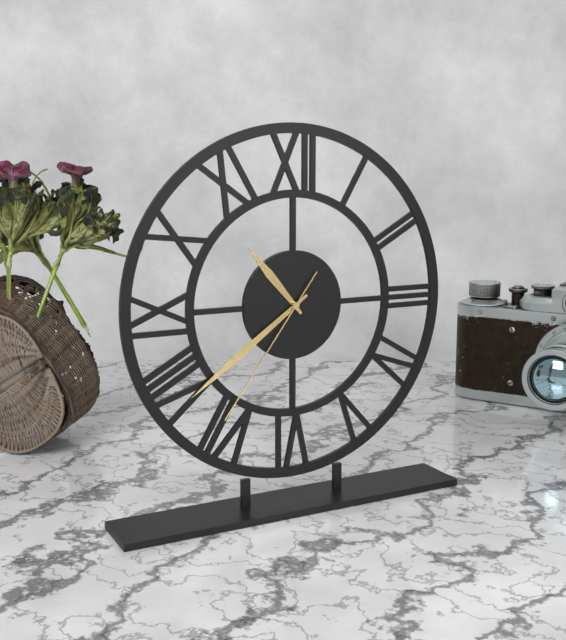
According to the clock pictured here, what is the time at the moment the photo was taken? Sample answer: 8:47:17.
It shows 10:39:36
